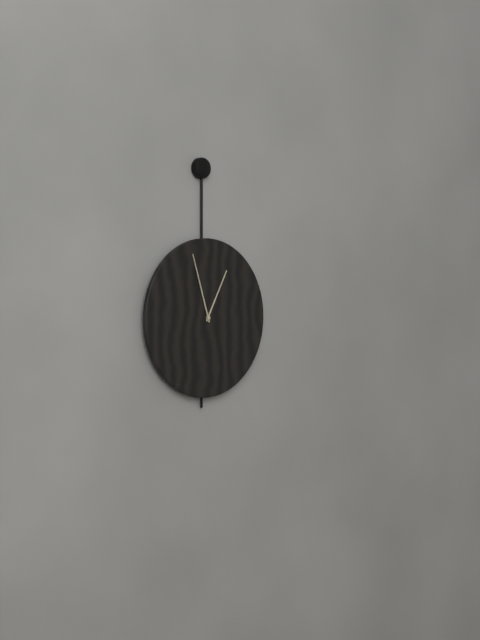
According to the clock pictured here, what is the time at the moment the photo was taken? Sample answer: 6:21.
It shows 12:57
